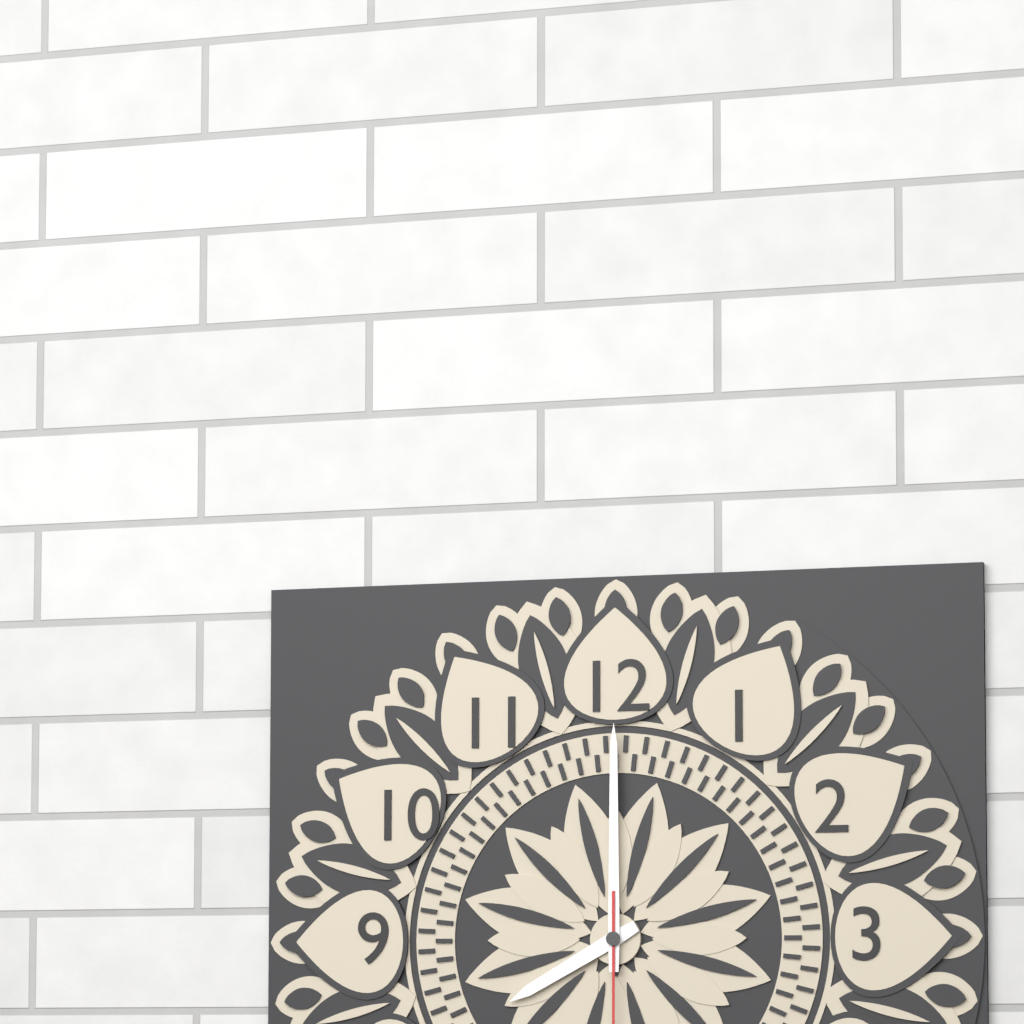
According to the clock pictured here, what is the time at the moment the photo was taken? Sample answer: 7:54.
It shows 8:00
